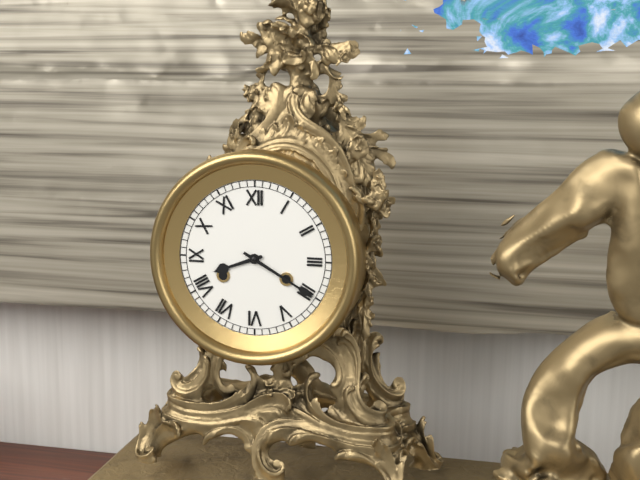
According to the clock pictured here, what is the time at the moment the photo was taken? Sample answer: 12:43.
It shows 8:20
